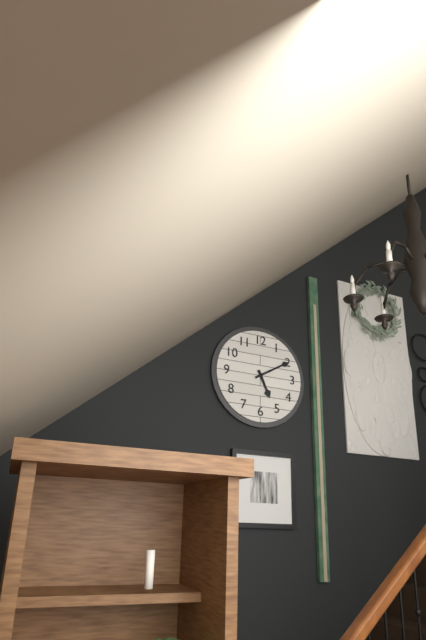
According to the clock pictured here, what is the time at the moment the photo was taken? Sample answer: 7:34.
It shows 5:10
